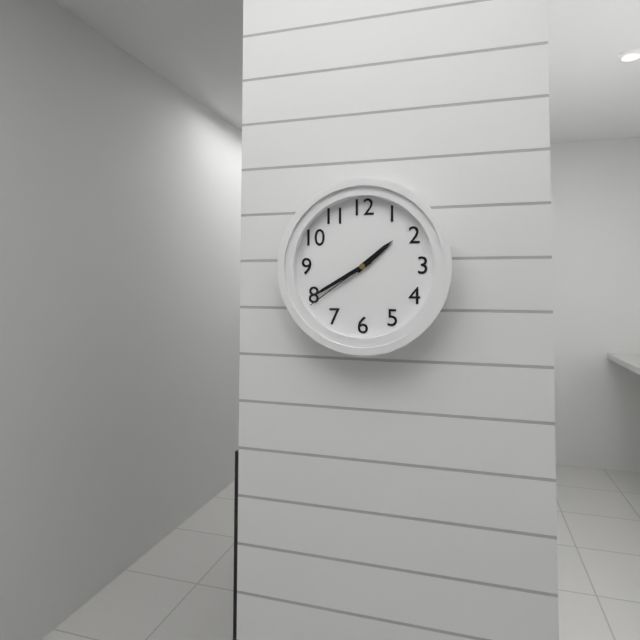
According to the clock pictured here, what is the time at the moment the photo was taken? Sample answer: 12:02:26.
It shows 1:40:39
